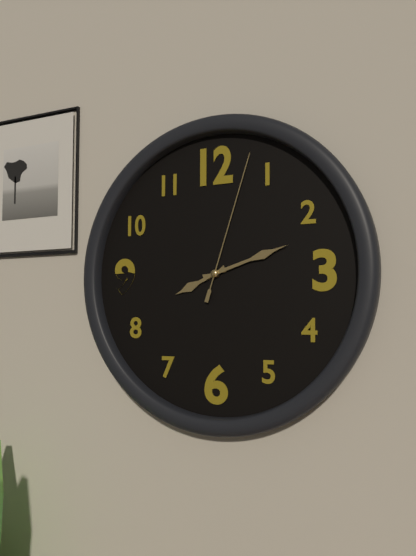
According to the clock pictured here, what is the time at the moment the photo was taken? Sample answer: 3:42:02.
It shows 8:12:03
